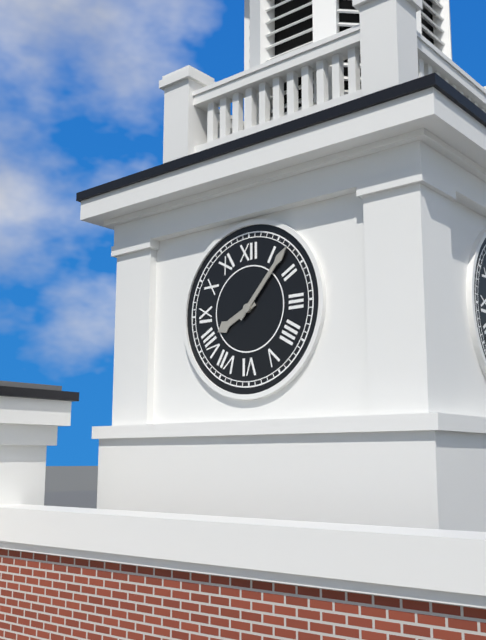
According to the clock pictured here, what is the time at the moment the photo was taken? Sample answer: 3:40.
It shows 8:07
